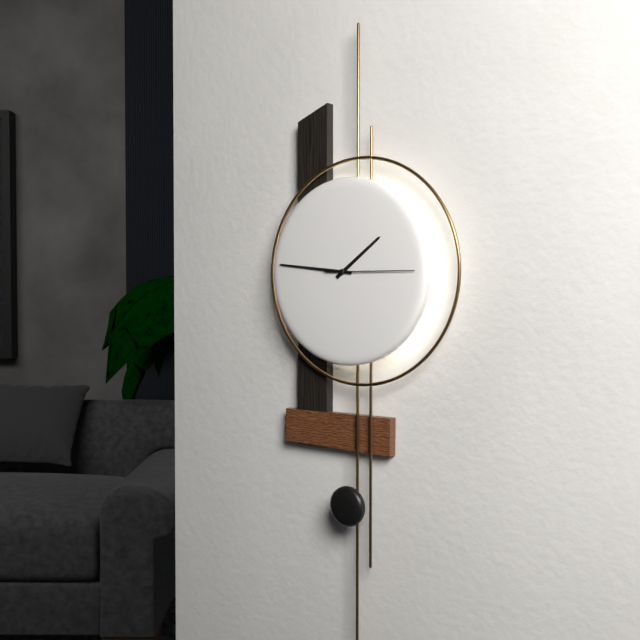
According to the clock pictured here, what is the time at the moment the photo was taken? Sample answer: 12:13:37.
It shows 1:46:15
